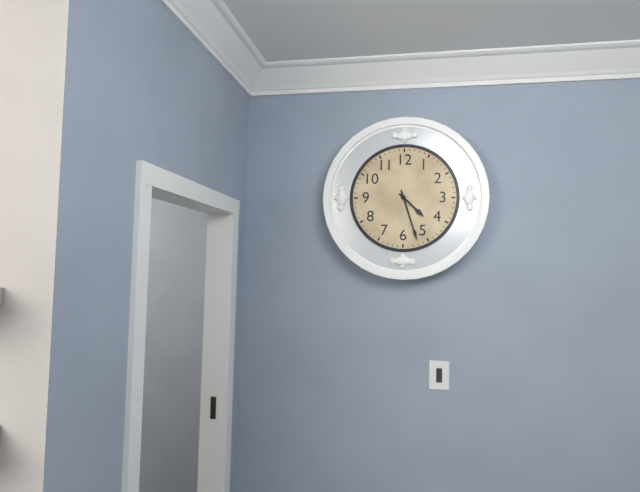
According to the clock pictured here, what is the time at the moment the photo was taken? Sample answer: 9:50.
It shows 4:27
